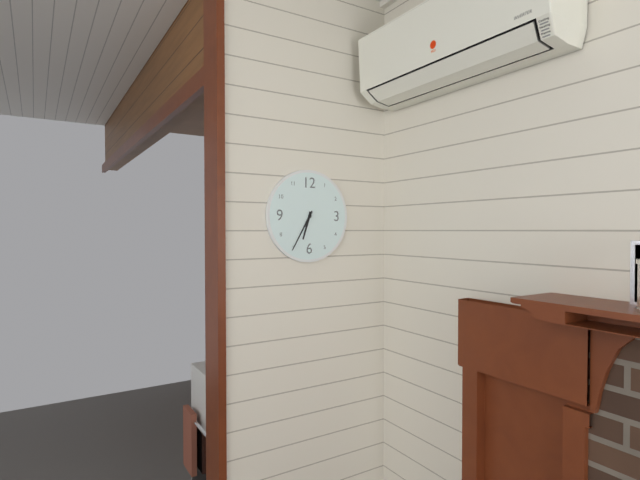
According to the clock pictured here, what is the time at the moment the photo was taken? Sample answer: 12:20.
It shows 6:35
